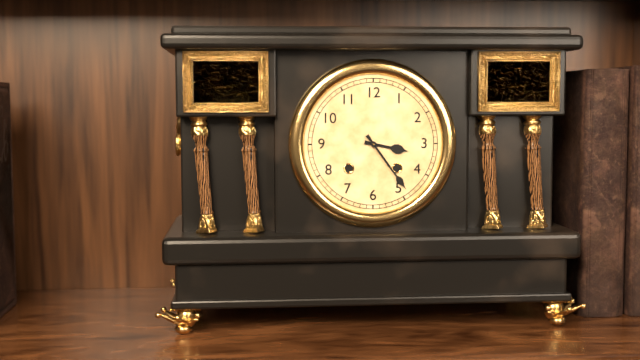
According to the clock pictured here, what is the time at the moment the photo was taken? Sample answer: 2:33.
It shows 3:24
